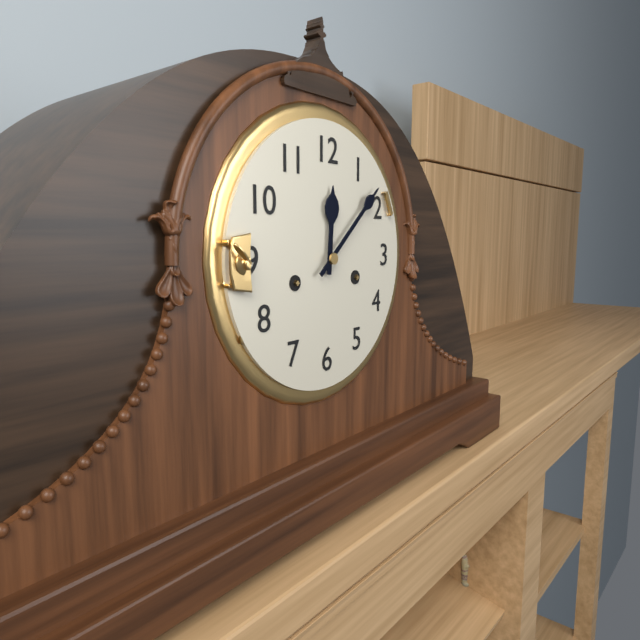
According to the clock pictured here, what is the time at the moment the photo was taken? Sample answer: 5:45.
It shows 12:08
